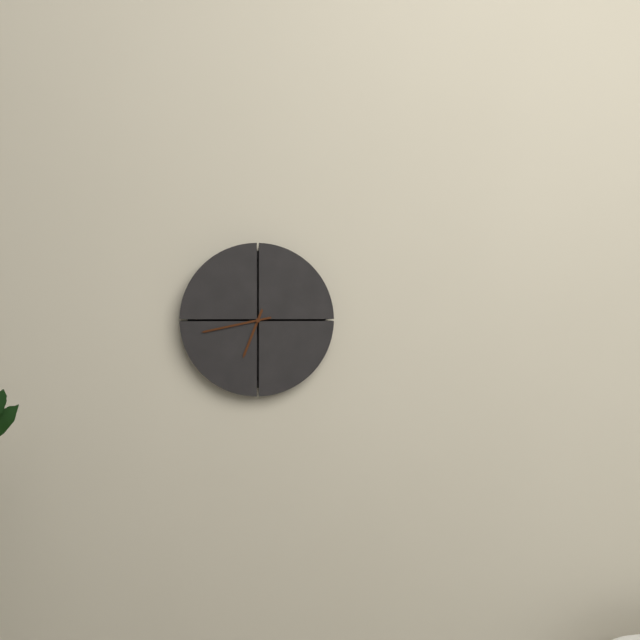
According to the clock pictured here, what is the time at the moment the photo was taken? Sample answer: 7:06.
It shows 6:43
